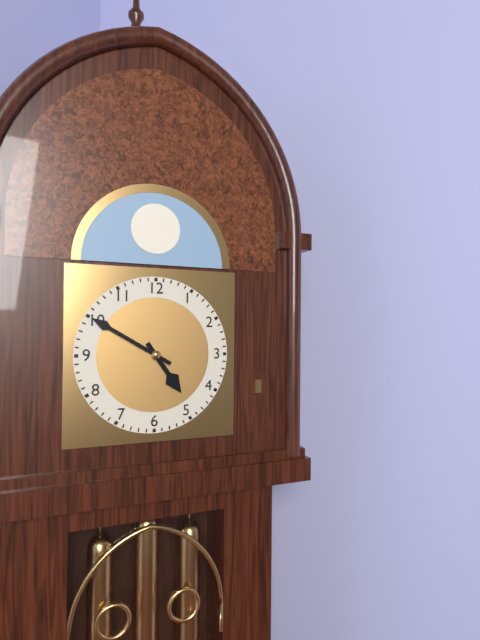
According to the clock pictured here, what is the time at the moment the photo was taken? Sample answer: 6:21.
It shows 4:50
